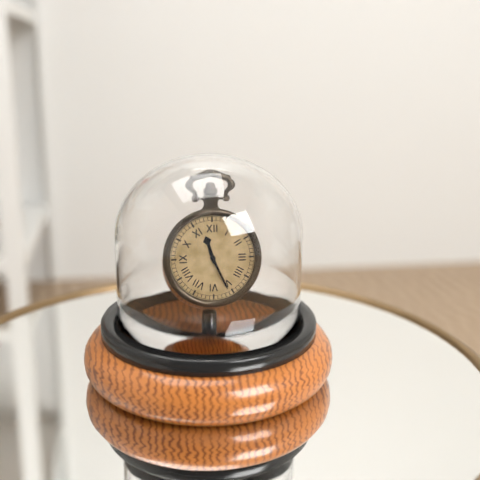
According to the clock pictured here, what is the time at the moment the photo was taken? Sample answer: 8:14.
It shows 11:26
